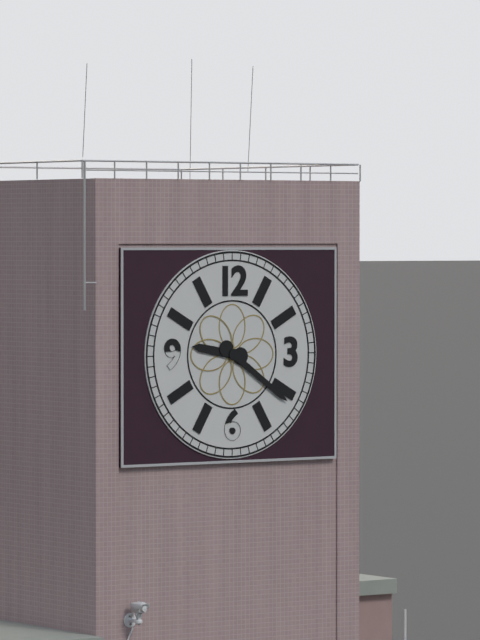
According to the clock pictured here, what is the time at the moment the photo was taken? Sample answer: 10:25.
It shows 9:21
